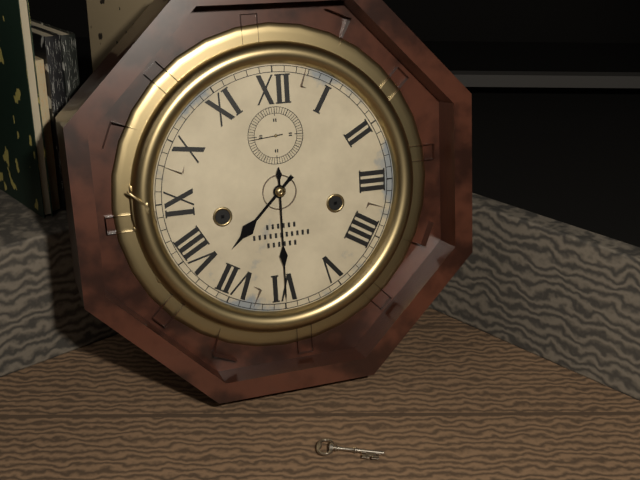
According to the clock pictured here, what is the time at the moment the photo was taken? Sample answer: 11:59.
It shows 7:30
